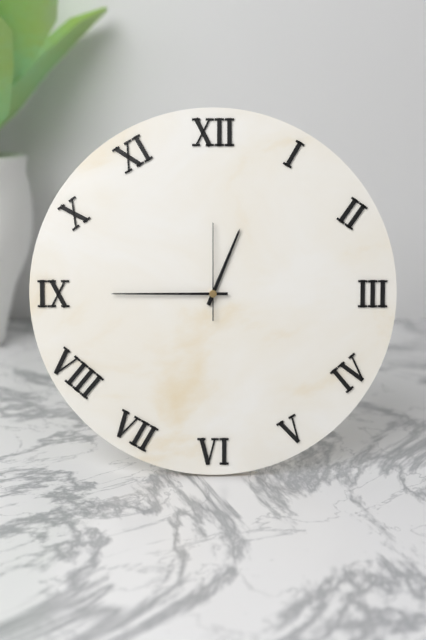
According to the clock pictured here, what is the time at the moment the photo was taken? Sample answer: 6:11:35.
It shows 12:45:00
